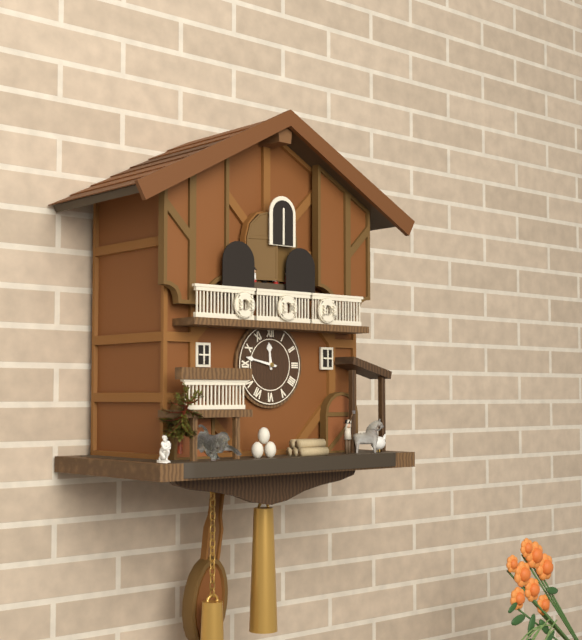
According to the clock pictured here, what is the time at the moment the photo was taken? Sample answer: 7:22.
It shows 11:47
